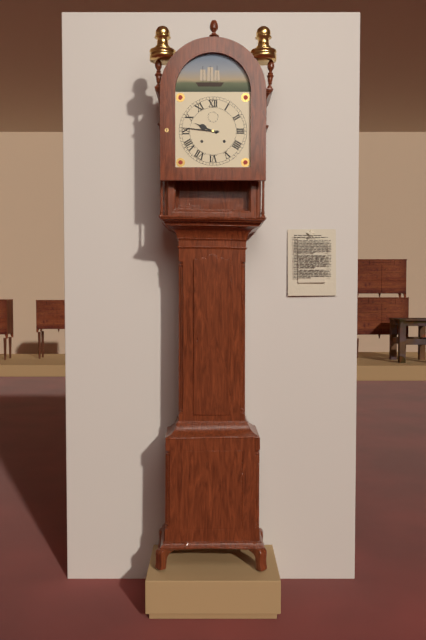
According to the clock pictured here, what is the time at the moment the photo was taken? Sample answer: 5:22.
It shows 9:46
